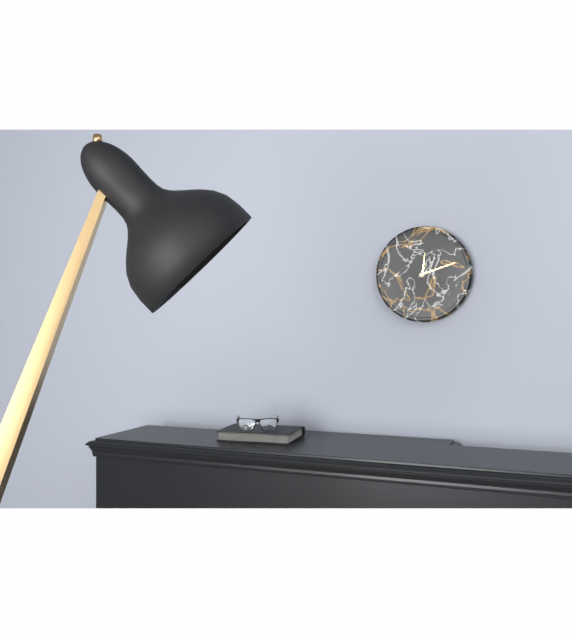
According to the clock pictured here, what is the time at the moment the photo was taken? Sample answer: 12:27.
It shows 12:12
